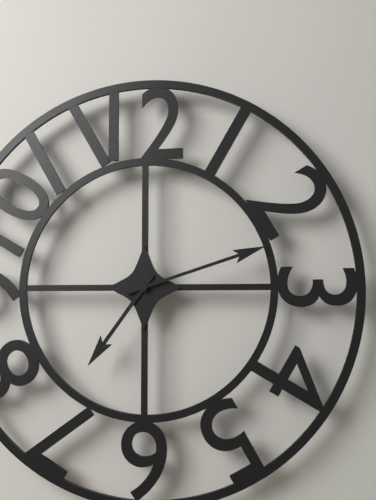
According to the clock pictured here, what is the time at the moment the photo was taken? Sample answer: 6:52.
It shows 7:12
